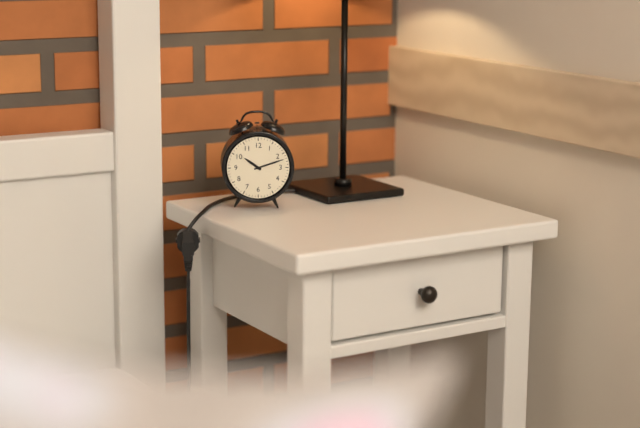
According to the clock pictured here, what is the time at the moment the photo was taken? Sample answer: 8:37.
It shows 10:12
